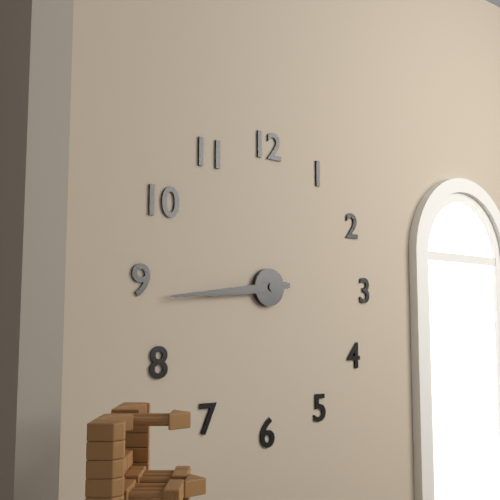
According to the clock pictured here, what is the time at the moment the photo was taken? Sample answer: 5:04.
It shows 8:44
